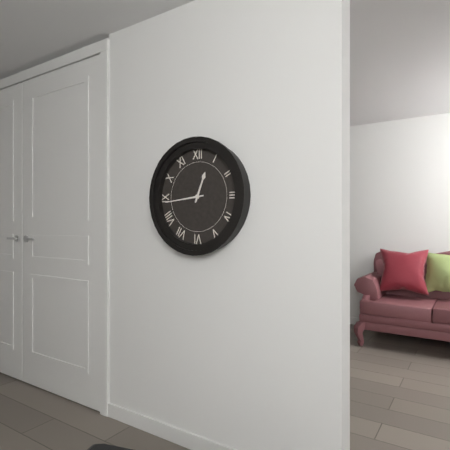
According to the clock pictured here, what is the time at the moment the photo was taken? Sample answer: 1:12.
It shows 12:44
